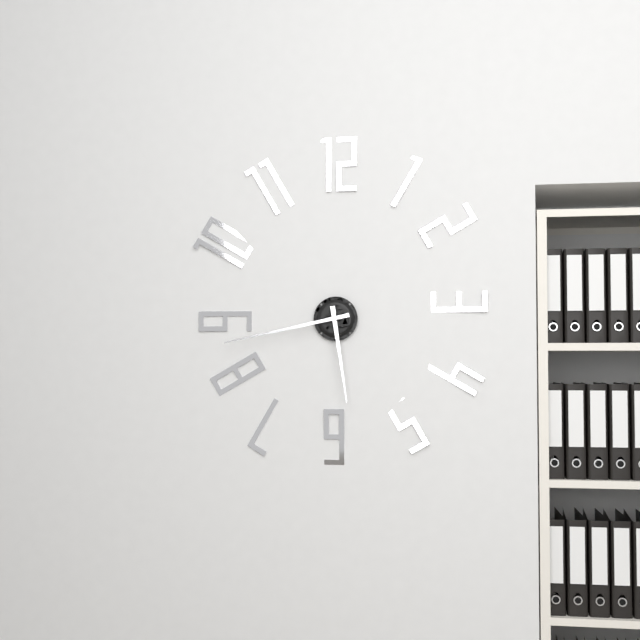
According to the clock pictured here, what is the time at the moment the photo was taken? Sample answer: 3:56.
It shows 5:43
